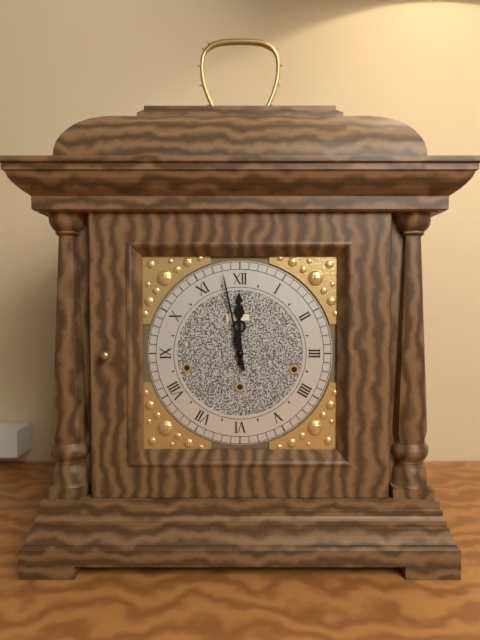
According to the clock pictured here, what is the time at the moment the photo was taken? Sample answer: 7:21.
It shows 11:58
